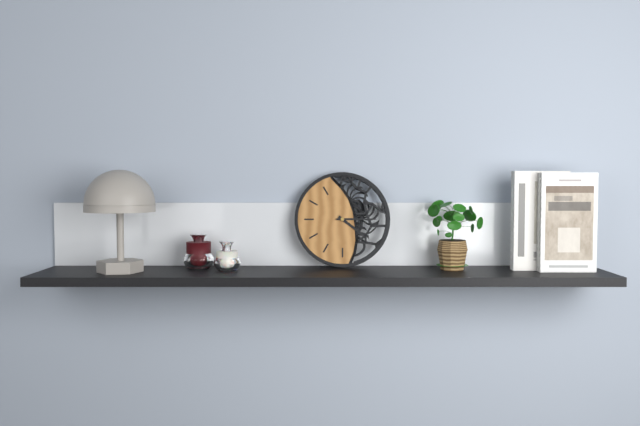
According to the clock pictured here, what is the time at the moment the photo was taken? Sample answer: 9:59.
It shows 4:15
